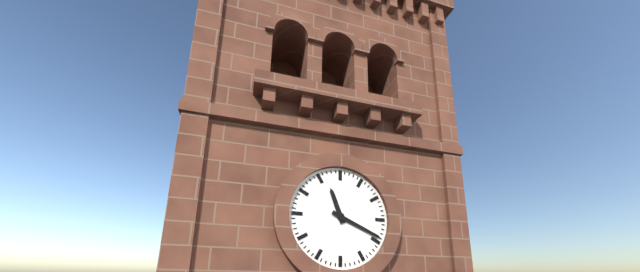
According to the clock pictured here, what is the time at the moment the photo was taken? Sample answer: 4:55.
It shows 11:19
